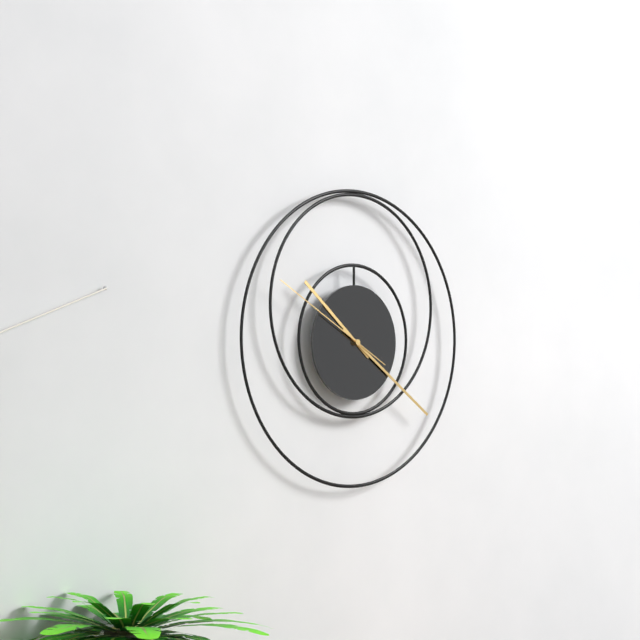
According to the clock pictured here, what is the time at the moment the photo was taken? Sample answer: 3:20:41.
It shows 10:21:50
